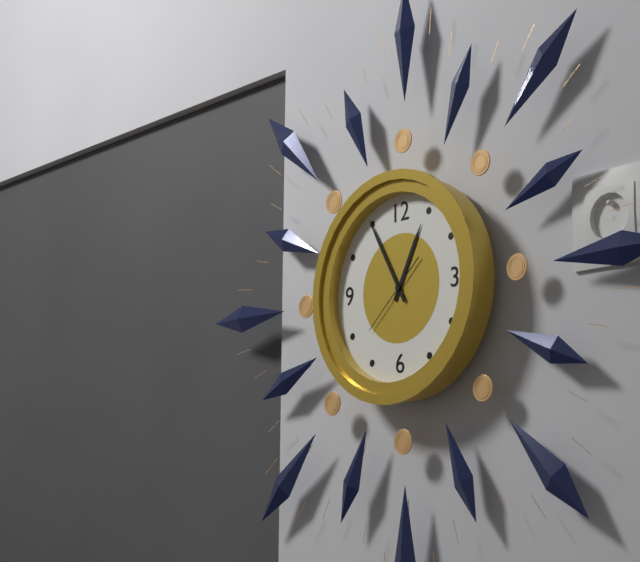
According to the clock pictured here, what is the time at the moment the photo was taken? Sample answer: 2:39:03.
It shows 12:55:38
